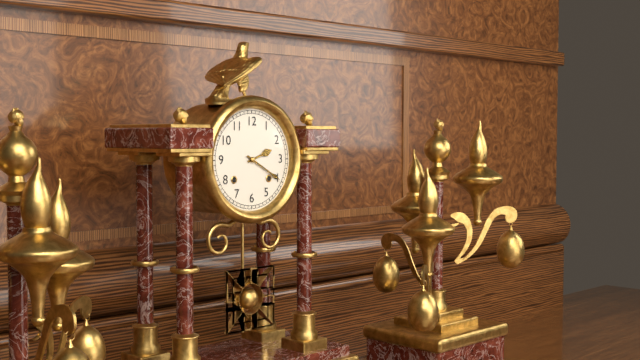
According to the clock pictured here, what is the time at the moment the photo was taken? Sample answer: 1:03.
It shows 2:20
